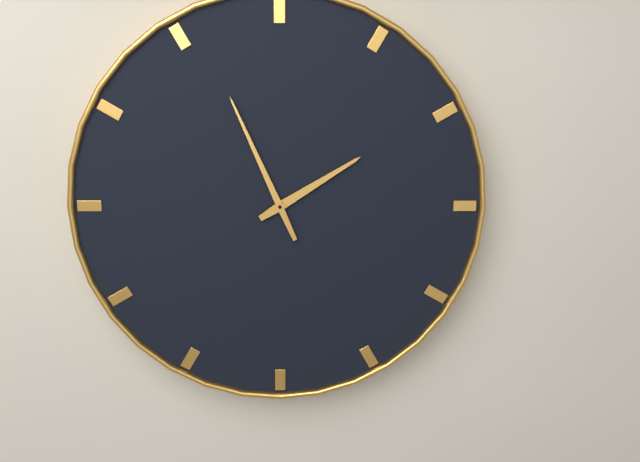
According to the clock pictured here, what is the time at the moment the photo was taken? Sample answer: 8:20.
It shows 1:56
